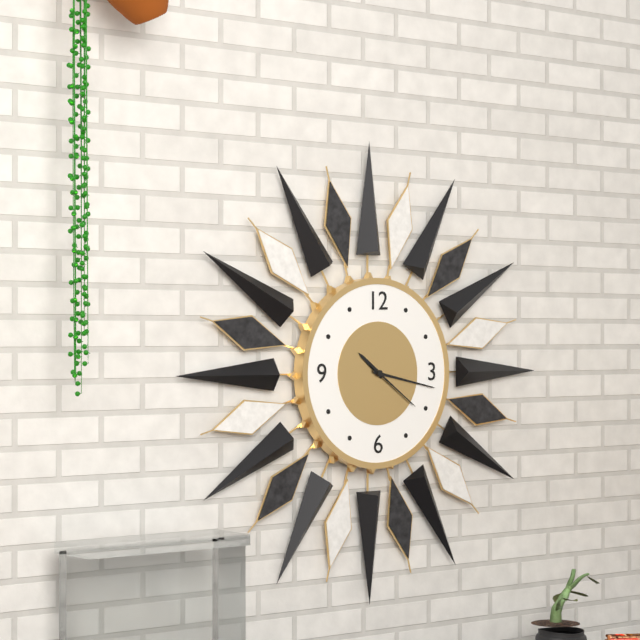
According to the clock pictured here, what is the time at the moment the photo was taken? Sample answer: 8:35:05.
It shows 10:17:21
